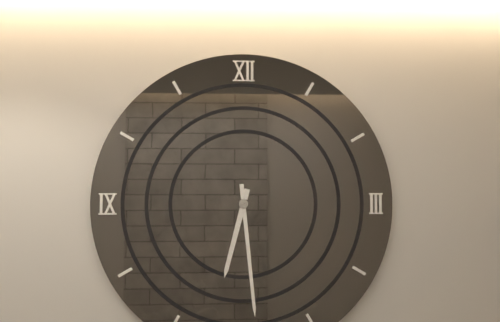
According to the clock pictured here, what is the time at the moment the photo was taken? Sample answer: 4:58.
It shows 6:29
